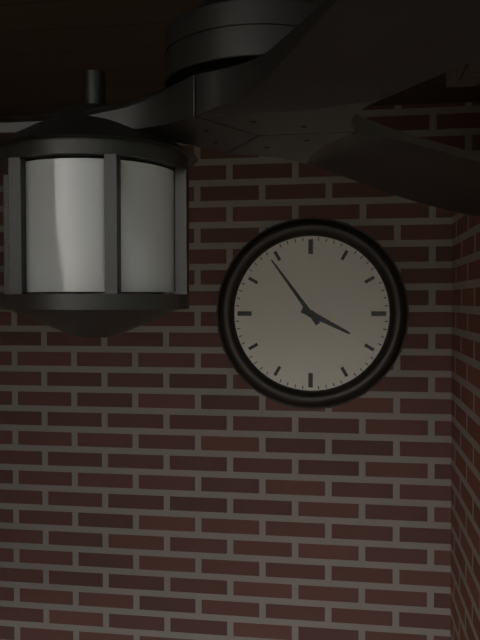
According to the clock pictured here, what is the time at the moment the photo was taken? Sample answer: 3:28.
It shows 3:54
